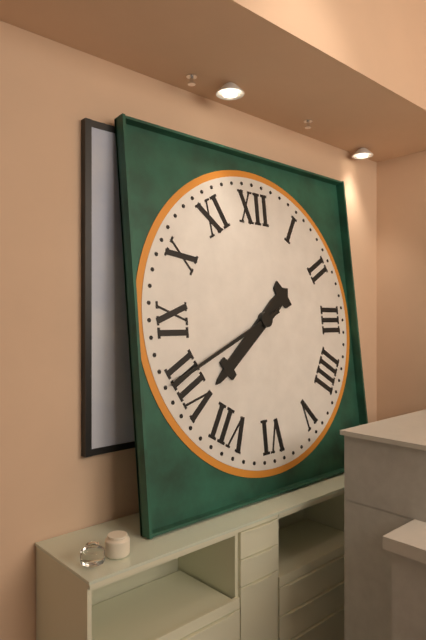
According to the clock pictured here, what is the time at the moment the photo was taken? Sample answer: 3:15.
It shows 7:41
